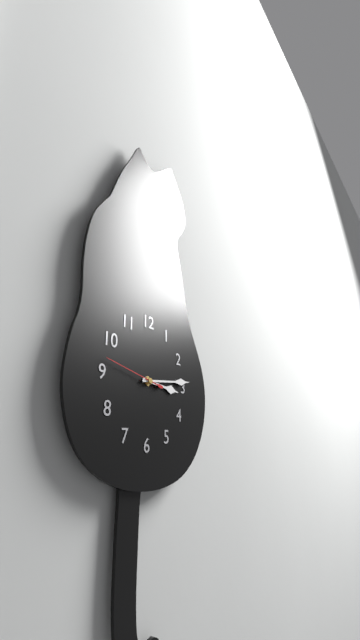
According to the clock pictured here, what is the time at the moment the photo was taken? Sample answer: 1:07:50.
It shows 3:14:47
